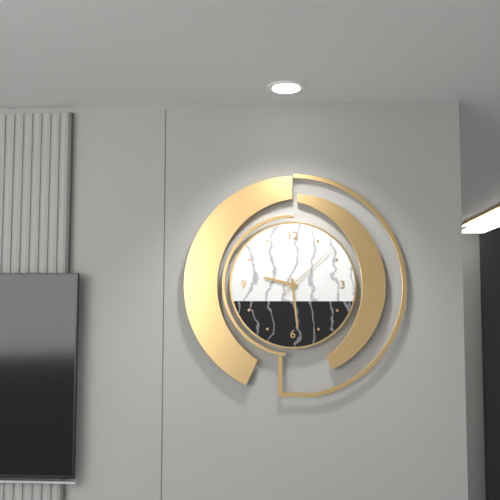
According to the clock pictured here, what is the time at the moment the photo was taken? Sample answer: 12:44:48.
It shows 9:29:08
